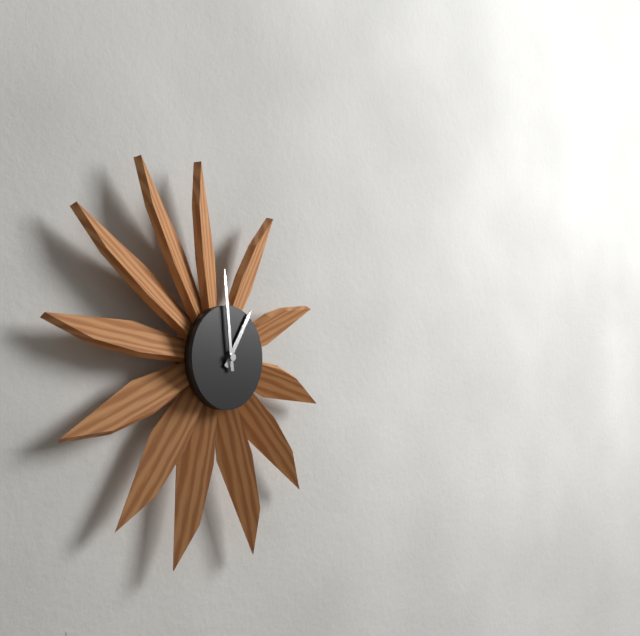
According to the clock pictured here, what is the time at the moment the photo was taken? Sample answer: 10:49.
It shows 12:59
